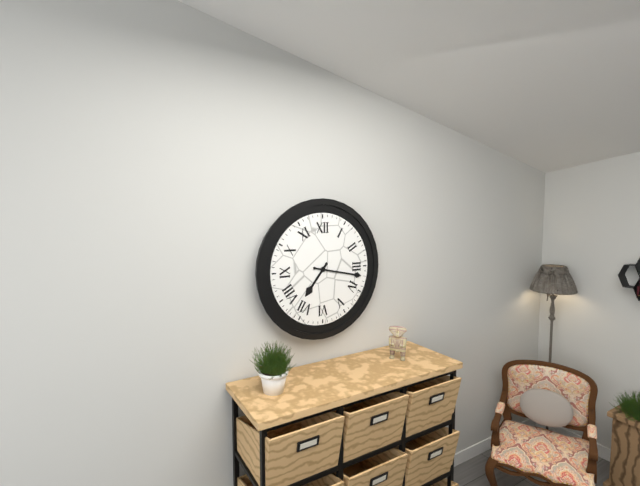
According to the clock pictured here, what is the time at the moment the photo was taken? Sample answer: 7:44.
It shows 7:17
